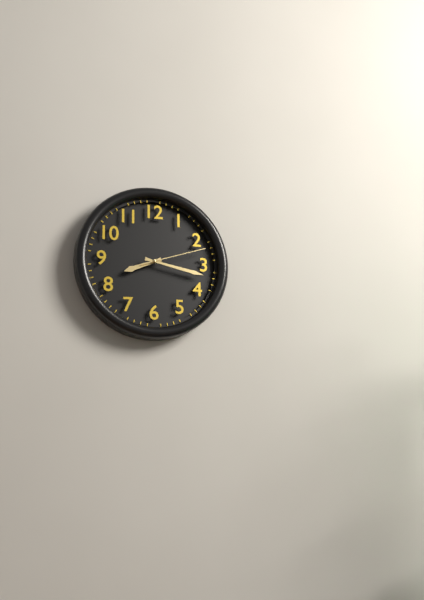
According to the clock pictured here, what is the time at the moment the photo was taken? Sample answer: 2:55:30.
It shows 8:17:12
